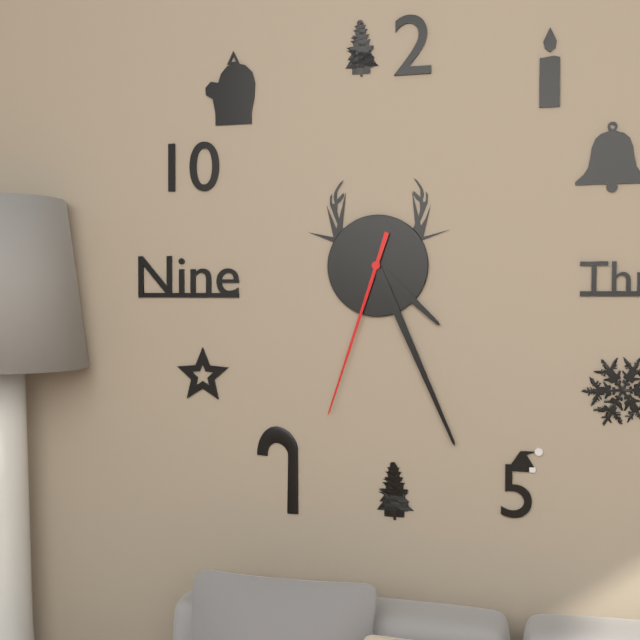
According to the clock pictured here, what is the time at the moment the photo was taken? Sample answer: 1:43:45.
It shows 4:26:33
